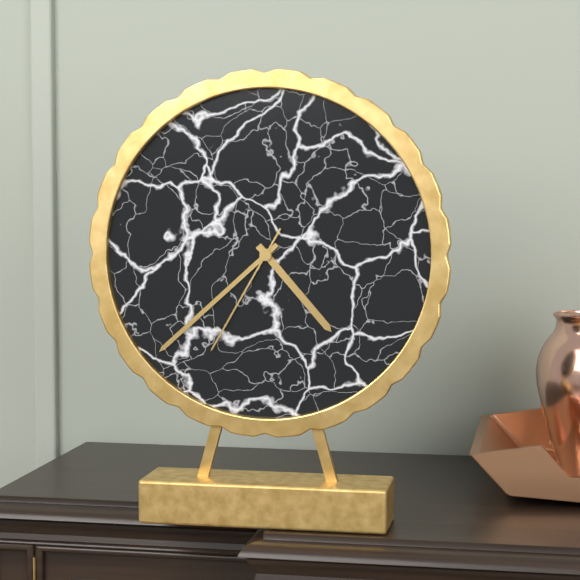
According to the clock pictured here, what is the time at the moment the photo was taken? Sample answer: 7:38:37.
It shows 4:38:35
